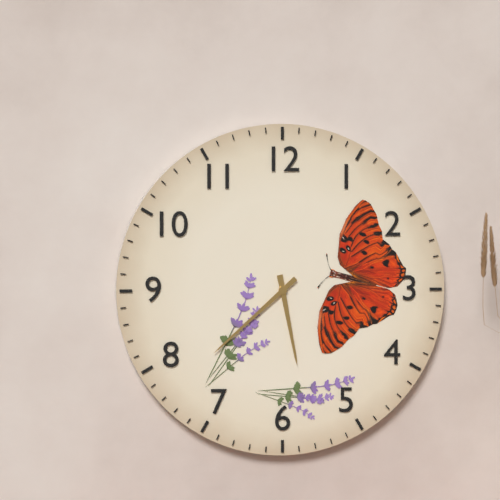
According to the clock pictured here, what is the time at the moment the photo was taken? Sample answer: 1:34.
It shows 5:38
